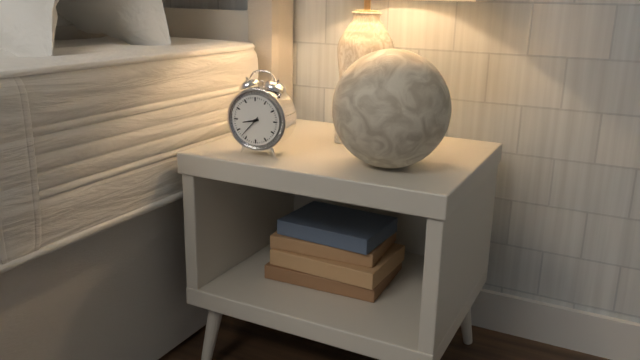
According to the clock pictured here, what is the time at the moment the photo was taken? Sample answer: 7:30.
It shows 8:37
